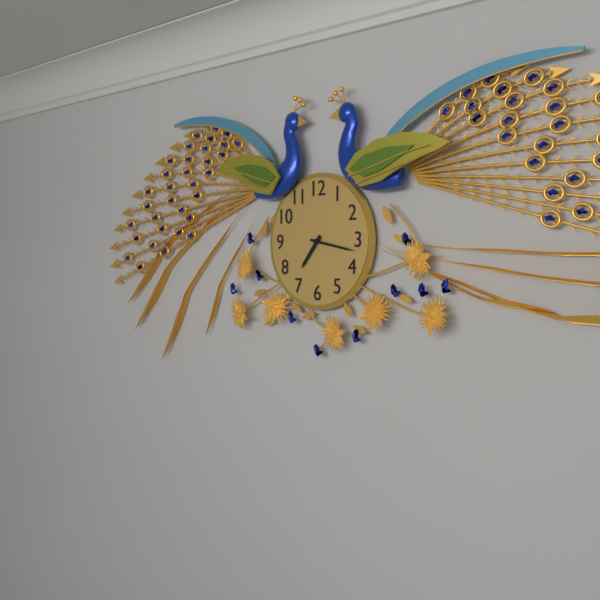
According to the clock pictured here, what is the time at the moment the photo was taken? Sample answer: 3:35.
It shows 7:17
